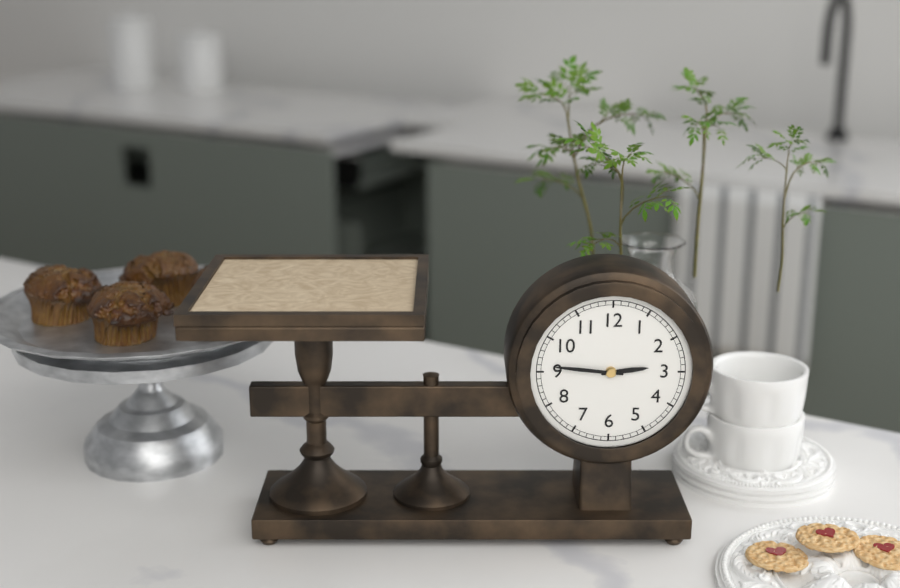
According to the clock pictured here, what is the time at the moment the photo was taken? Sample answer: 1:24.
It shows 2:46
